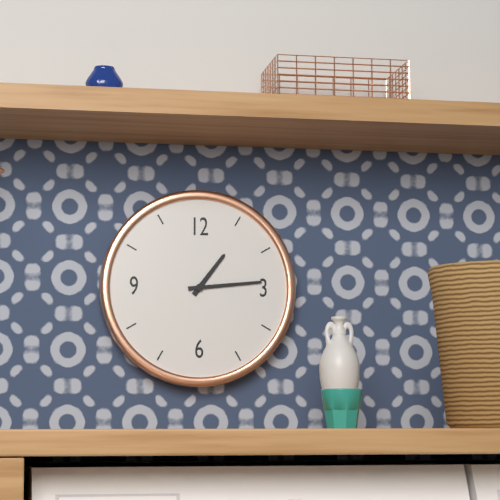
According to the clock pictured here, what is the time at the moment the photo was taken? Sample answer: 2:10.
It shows 1:14
